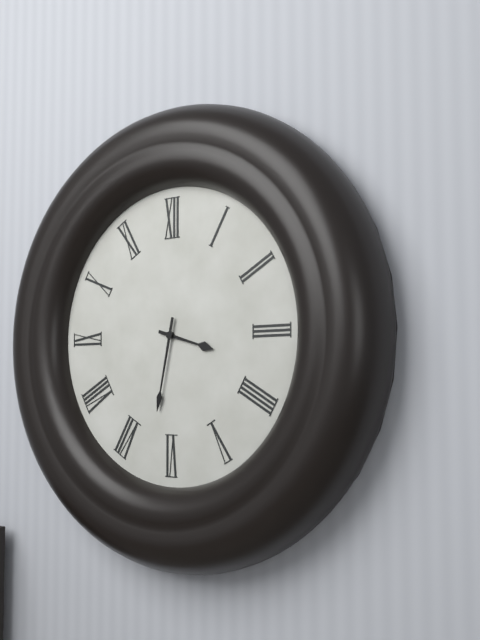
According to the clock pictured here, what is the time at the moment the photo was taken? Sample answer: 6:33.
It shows 3:32
